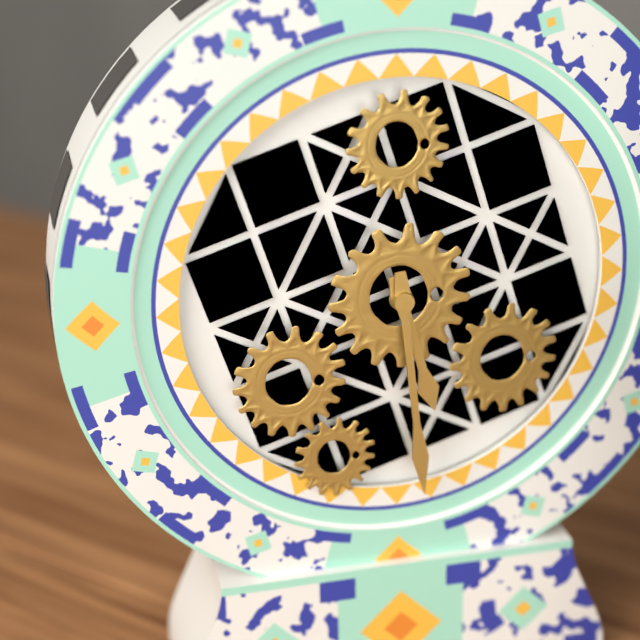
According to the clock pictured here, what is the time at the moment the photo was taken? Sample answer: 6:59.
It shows 5:29
